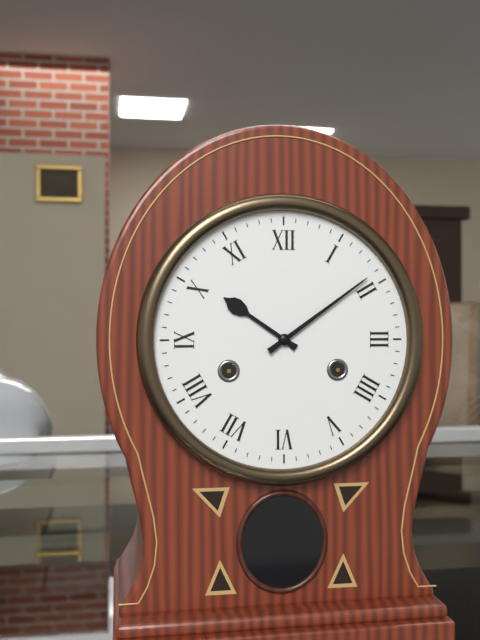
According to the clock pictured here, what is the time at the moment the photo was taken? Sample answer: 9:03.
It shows 10:09
